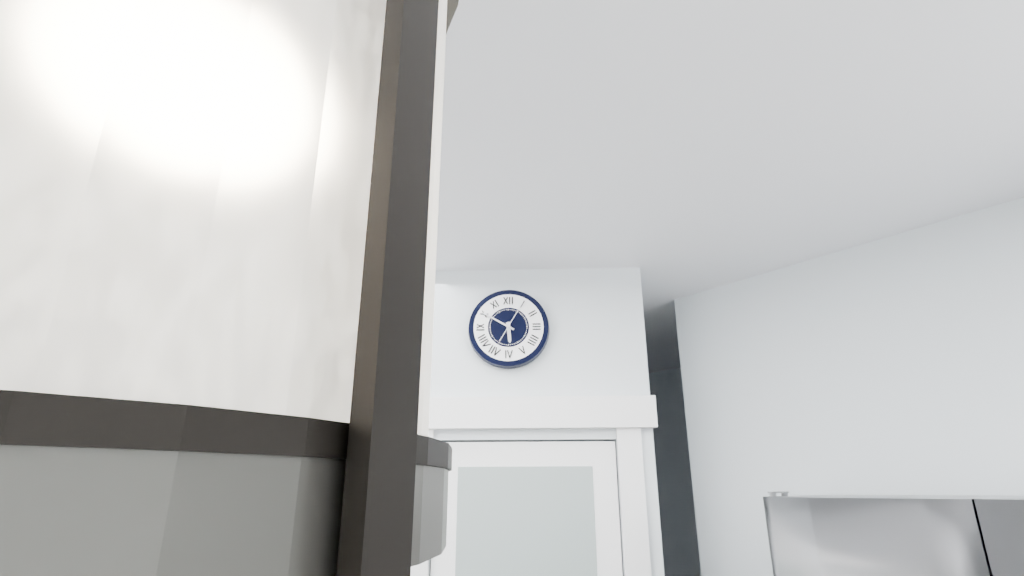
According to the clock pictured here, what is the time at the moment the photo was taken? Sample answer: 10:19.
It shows 5:50
